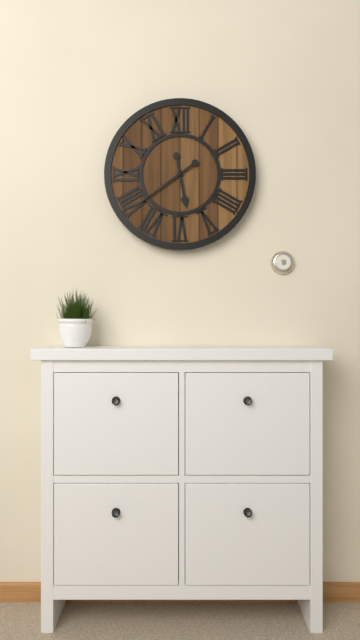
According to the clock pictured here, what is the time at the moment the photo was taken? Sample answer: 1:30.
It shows 5:39
